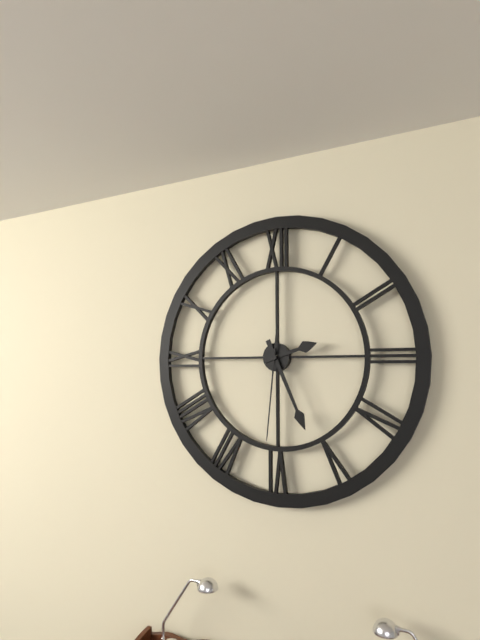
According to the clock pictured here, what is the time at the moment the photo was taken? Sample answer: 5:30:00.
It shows 2:26:31
